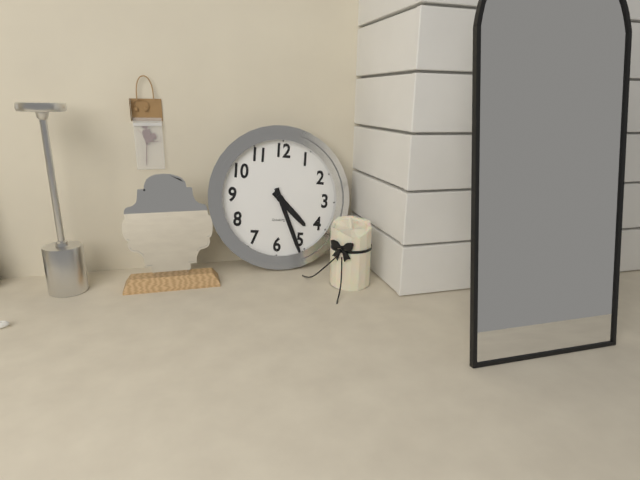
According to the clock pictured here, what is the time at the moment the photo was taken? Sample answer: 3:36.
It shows 4:26
